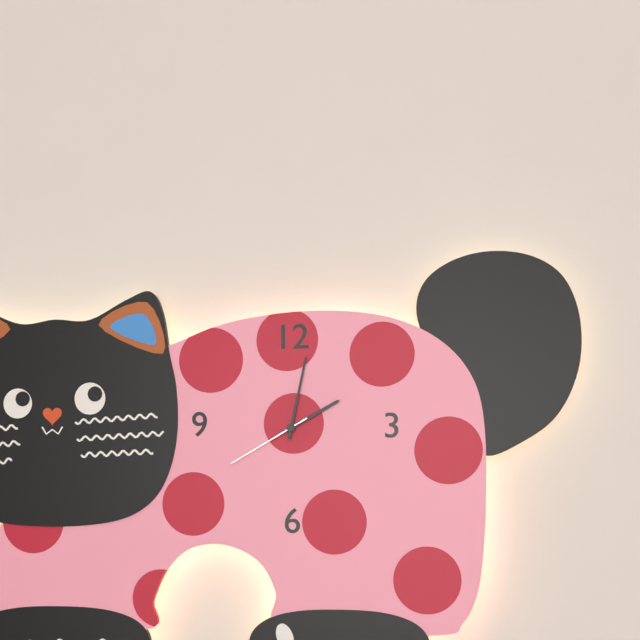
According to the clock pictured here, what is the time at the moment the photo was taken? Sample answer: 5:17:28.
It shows 2:02:40
